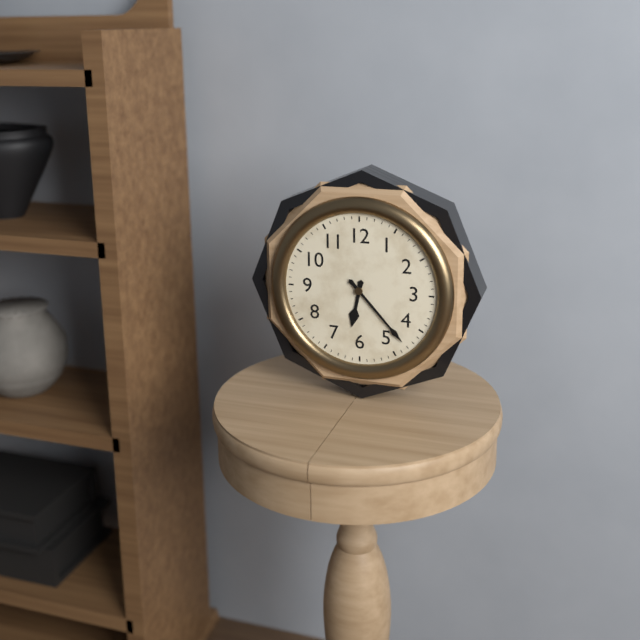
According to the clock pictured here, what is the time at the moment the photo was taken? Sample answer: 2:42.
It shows 6:23
